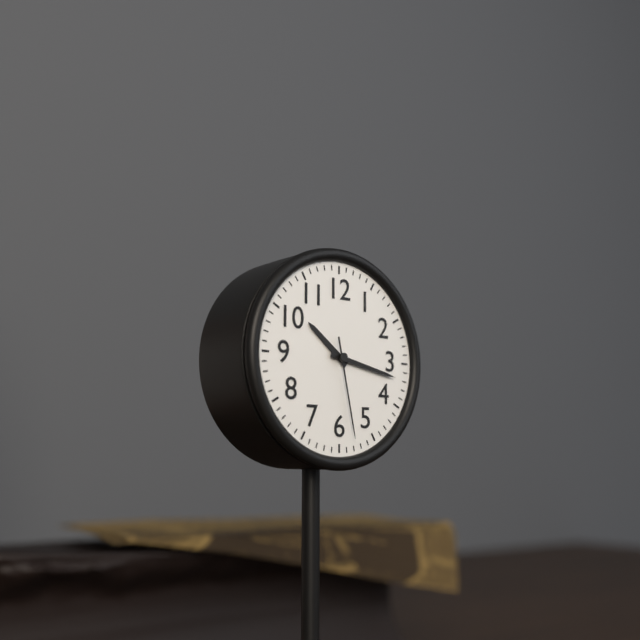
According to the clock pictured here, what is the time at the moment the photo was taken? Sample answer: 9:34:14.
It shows 10:17:28
